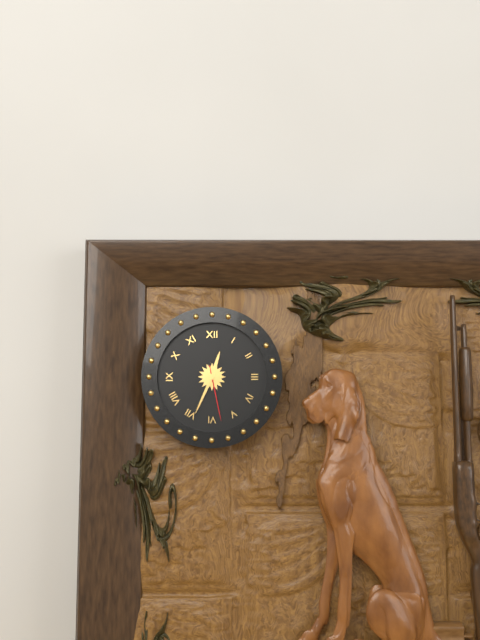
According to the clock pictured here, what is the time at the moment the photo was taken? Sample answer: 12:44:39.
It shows 12:34:28
